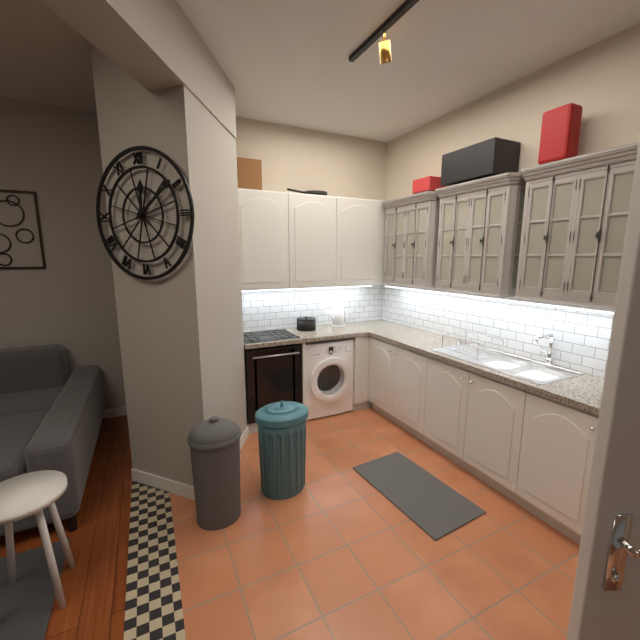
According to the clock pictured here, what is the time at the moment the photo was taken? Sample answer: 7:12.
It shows 12:09
